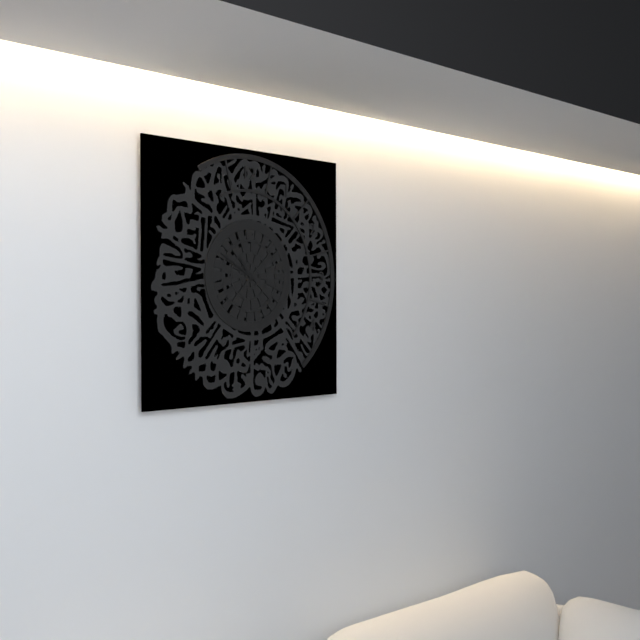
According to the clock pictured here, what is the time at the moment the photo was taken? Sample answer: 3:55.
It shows 10:50
